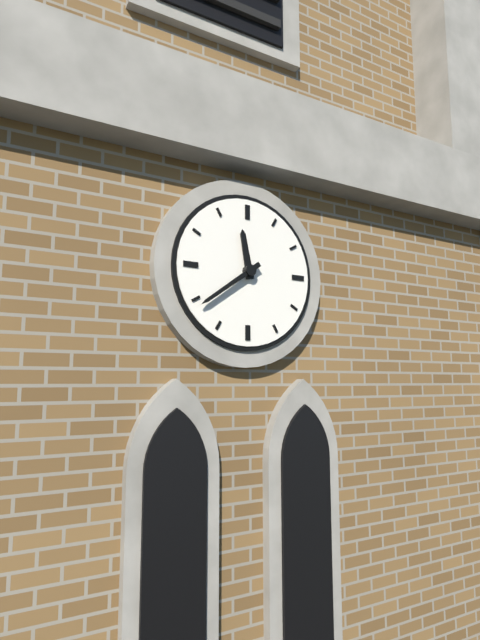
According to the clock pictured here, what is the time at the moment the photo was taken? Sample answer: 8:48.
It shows 11:39
